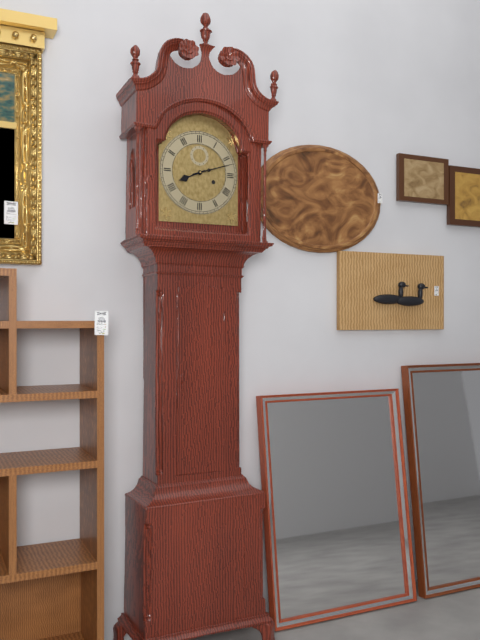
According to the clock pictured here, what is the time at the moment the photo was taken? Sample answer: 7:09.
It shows 8:12
